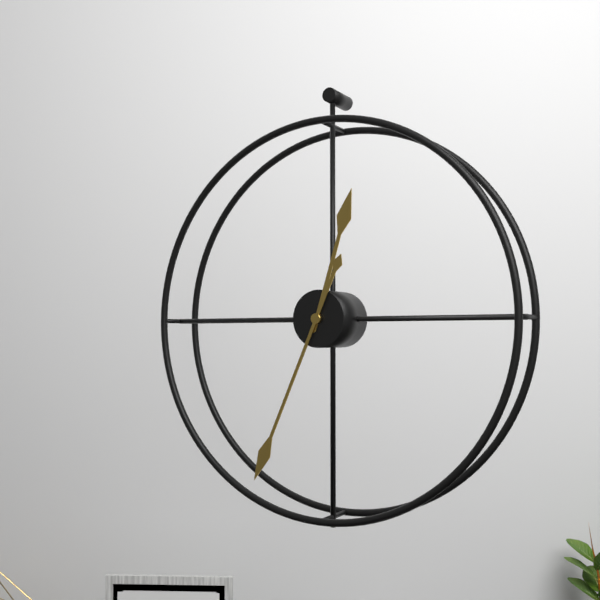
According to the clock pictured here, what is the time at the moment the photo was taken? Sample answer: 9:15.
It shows 12:34
